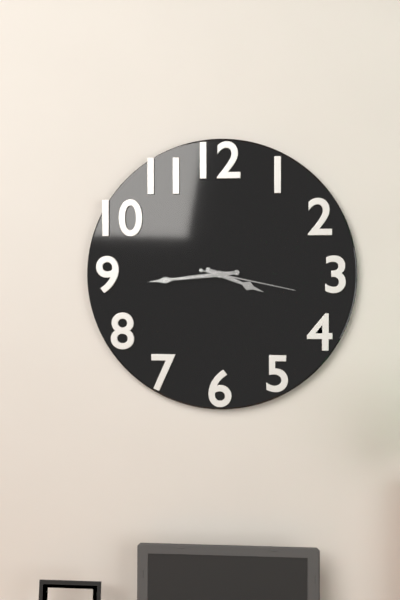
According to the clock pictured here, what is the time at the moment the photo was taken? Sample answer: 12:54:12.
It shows 3:44:17
